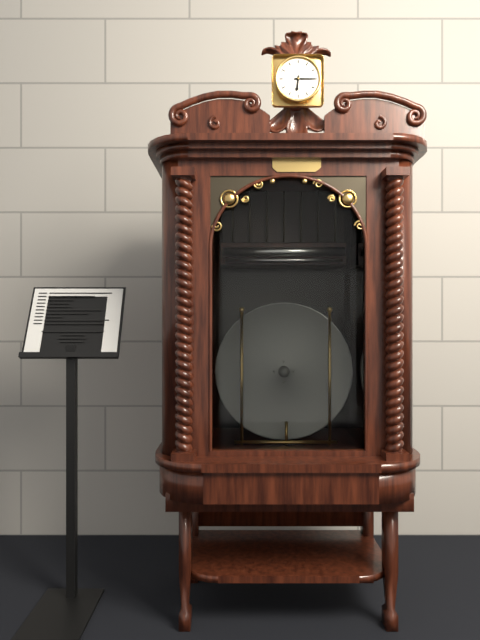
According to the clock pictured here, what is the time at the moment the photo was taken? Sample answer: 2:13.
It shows 6:15
